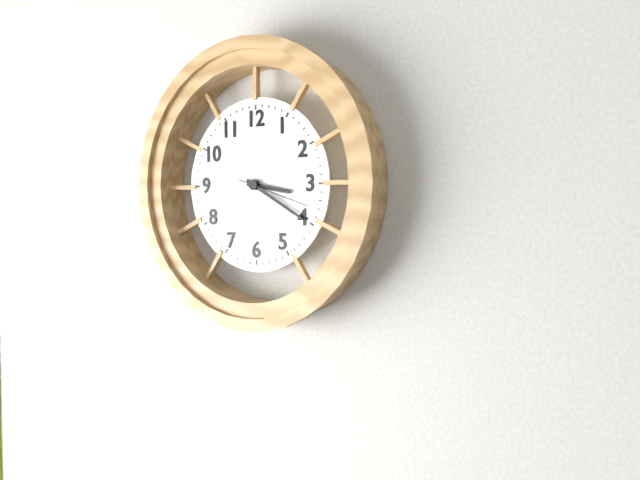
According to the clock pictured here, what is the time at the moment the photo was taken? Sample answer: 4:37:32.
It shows 3:20:18
